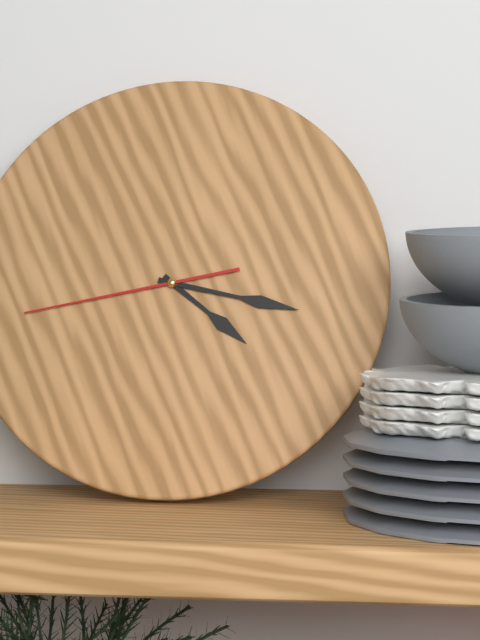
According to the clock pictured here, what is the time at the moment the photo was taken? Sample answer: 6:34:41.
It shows 4:17:43
